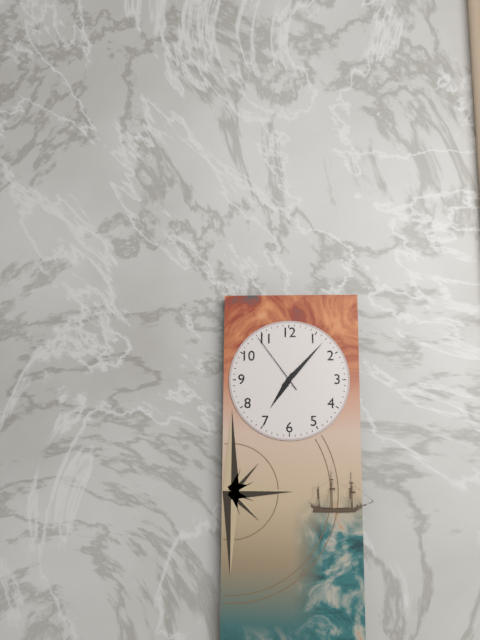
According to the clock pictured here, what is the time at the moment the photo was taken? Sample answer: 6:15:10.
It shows 7:07:54
